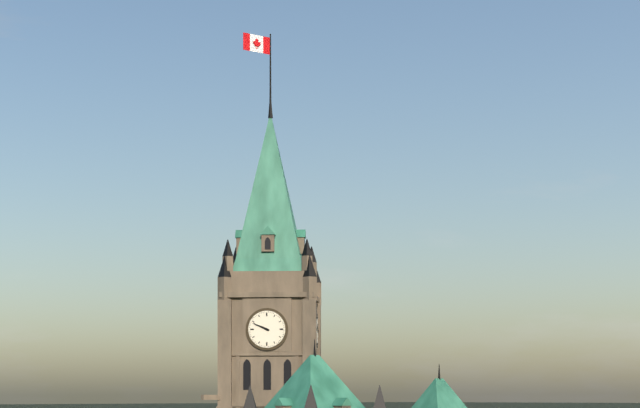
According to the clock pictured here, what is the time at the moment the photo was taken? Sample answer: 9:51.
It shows 9:49
